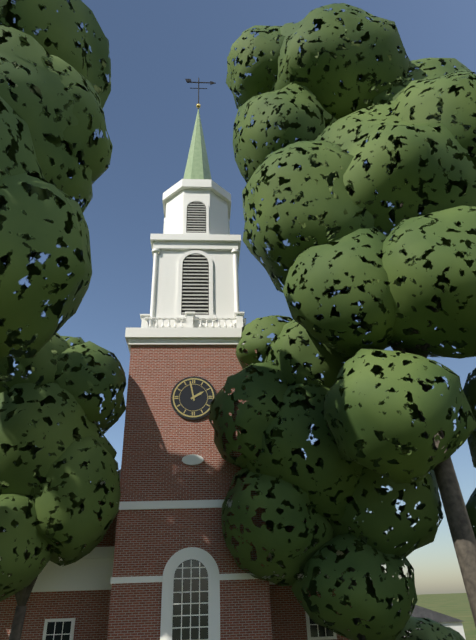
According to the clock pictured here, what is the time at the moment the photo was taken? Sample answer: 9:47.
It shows 1:58
